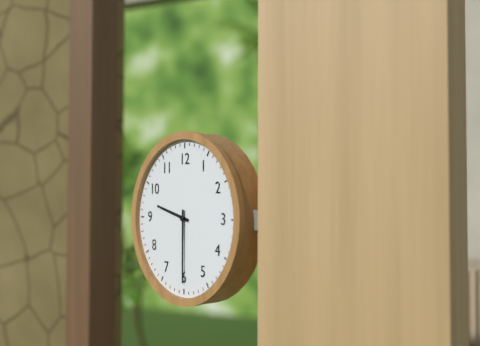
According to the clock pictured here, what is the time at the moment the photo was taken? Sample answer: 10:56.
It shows 9:30
